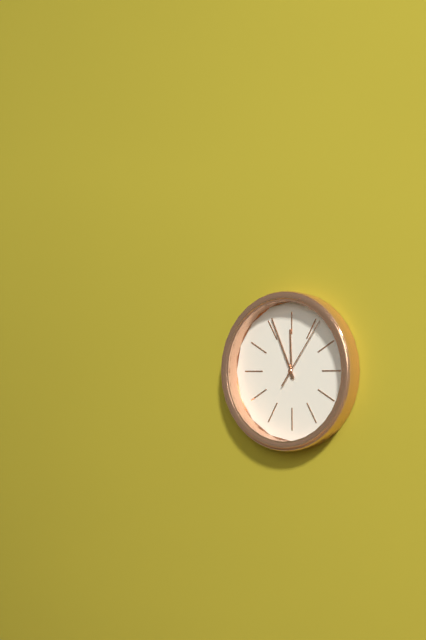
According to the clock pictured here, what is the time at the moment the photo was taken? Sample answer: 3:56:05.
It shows 11:56:06
